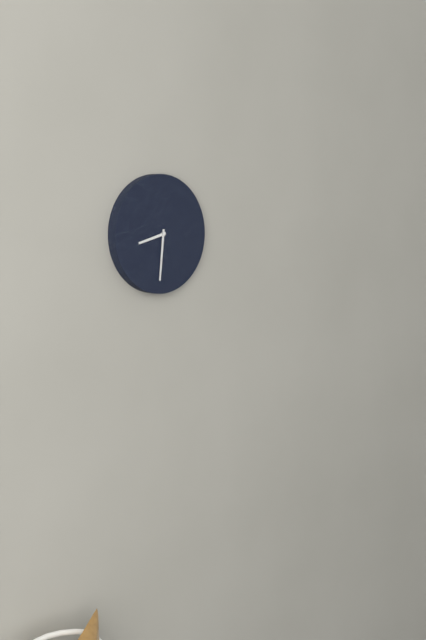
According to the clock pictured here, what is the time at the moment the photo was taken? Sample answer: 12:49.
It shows 8:31
